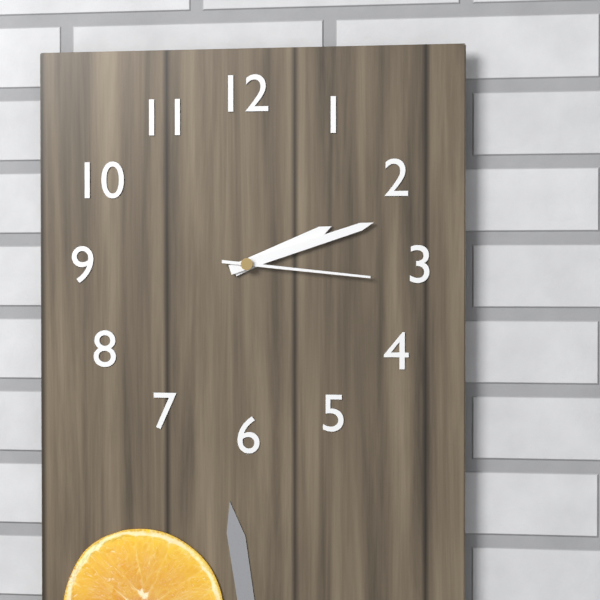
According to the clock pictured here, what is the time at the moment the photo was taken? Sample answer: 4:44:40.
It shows 2:12:16
